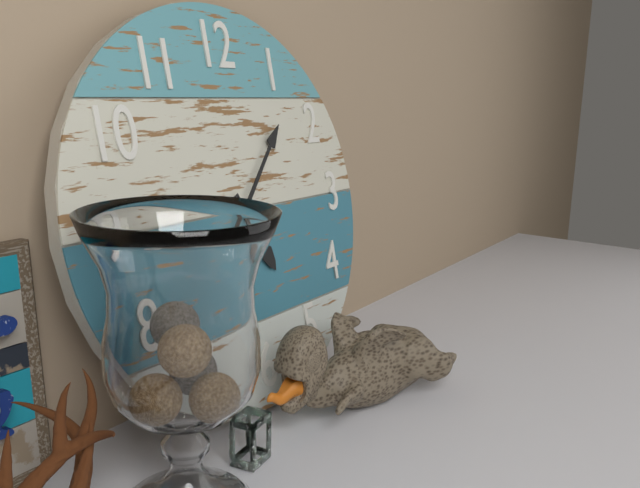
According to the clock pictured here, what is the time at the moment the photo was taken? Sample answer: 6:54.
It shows 5:07
